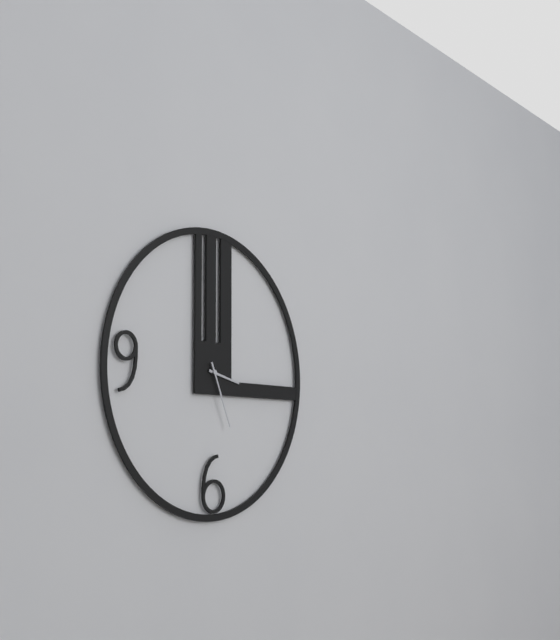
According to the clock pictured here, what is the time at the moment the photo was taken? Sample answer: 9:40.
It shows 3:26
